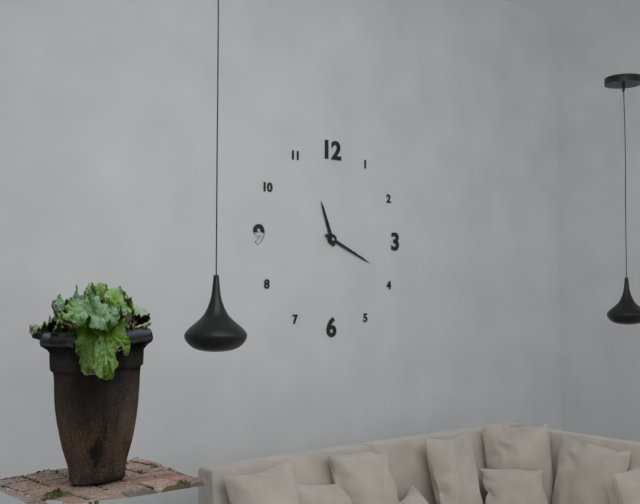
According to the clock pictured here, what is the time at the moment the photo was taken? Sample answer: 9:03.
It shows 11:19
